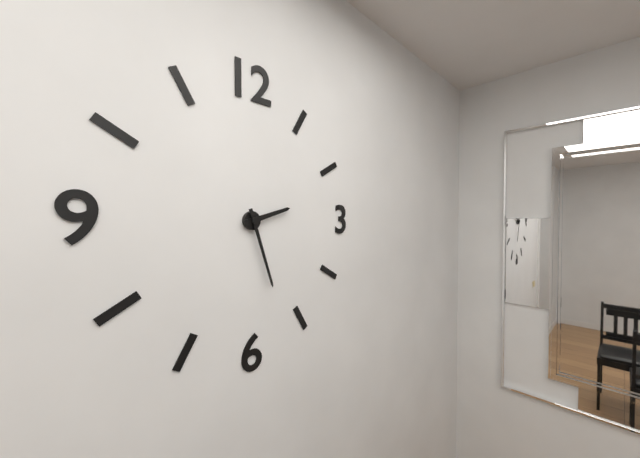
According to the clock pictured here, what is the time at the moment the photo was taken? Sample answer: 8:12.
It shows 2:27
